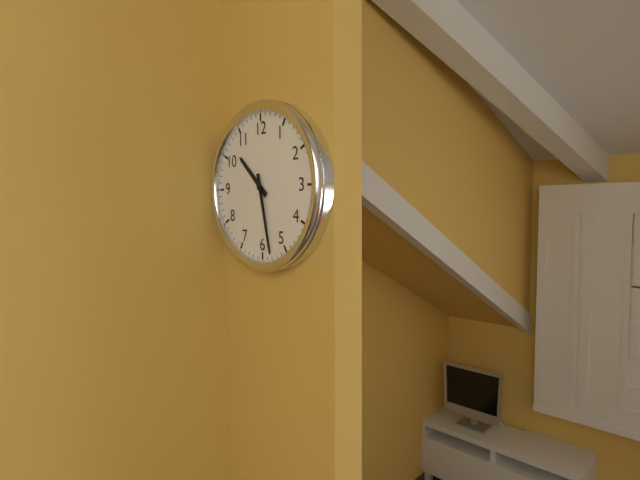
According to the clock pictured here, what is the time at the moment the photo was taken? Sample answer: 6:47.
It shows 10:28
